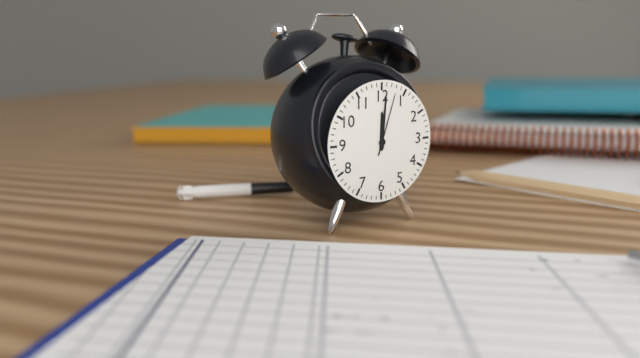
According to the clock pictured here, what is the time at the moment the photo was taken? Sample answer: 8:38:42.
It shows 12:01:03
